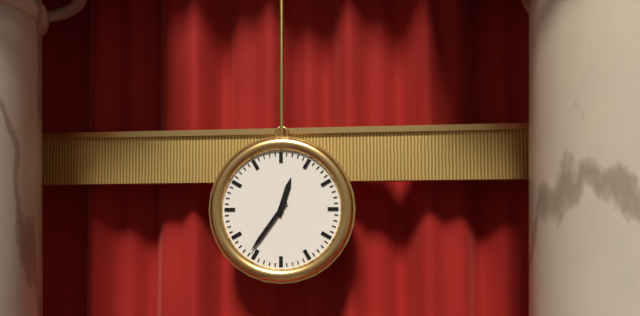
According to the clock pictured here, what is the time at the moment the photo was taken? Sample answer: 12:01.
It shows 12:36
